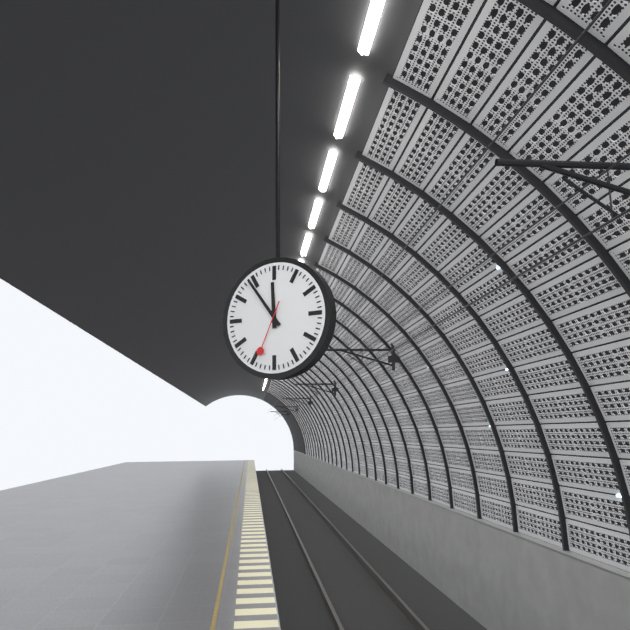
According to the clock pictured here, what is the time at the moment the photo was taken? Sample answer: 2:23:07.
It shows 11:54:34
